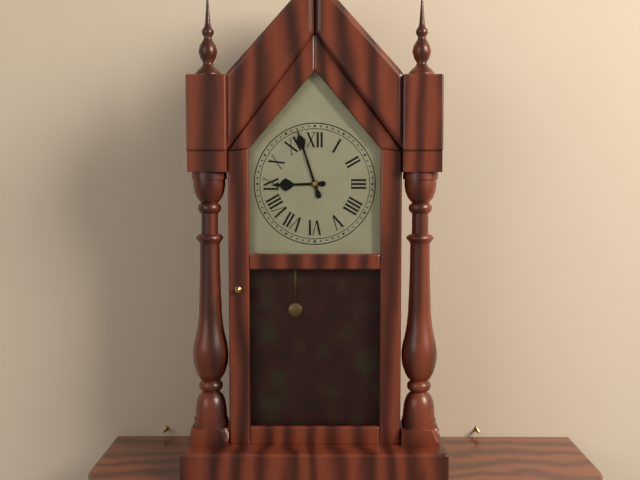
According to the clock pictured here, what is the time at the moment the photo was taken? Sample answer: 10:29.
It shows 8:57
